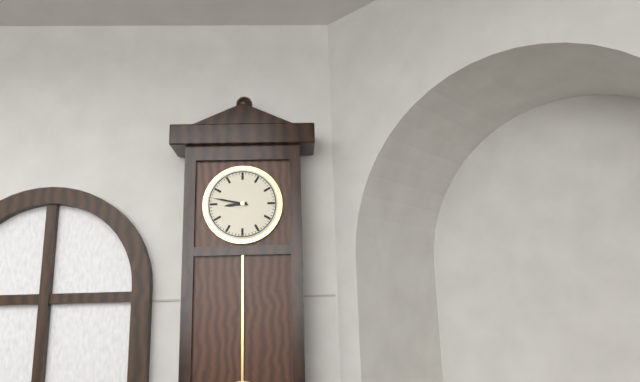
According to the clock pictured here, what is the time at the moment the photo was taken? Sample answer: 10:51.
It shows 8:47
